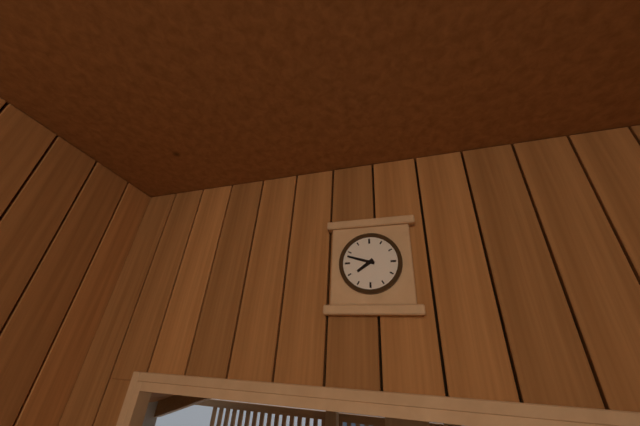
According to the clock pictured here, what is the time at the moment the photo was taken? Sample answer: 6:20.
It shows 7:48
